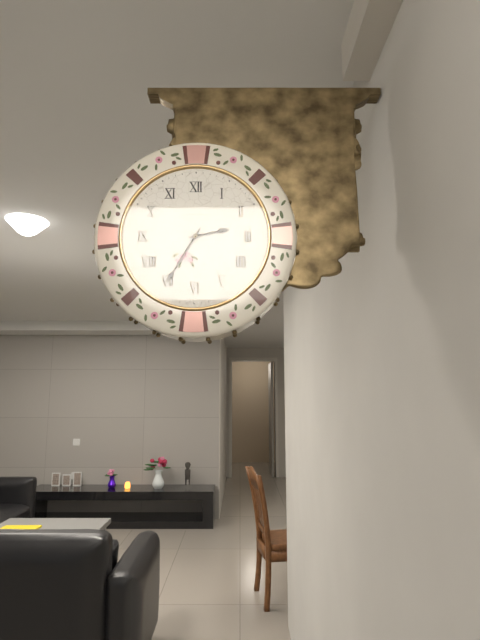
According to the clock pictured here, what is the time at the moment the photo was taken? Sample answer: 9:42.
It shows 2:35
